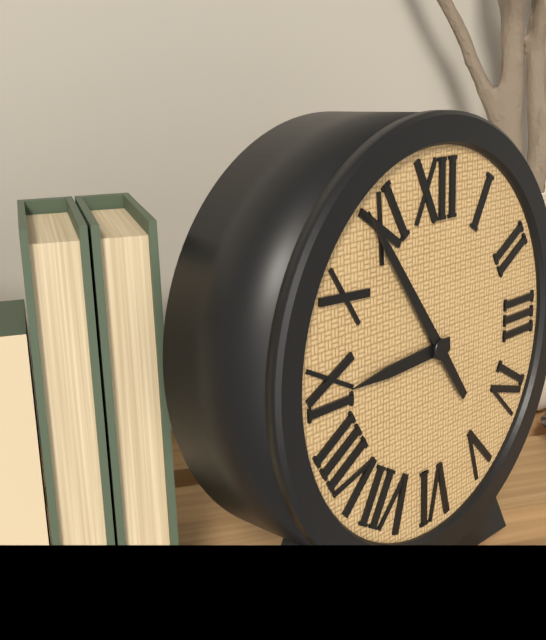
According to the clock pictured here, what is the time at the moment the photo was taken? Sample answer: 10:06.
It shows 8:54
